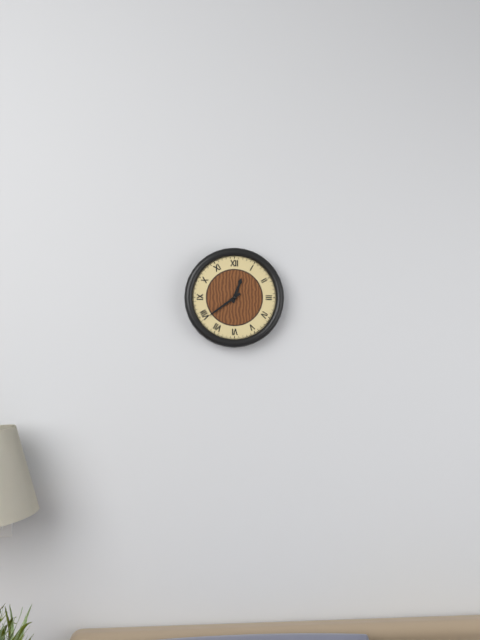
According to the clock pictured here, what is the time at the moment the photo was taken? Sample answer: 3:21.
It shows 12:39
